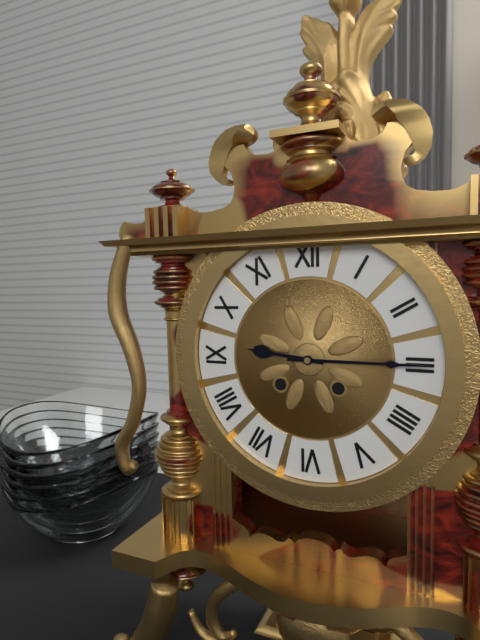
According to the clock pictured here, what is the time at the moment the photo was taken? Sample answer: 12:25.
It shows 9:15
